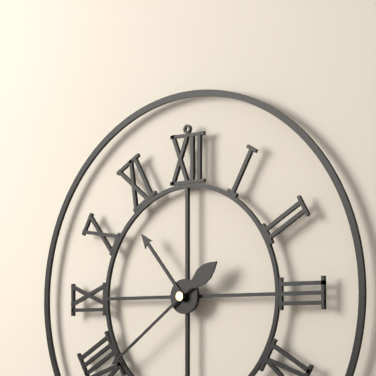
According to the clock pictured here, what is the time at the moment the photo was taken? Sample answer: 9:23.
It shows 10:39
